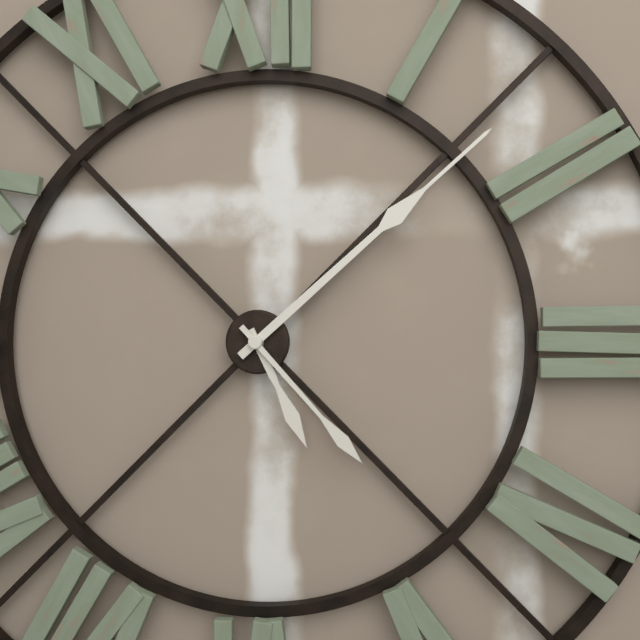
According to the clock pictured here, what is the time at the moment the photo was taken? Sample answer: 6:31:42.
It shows 5:08:23
